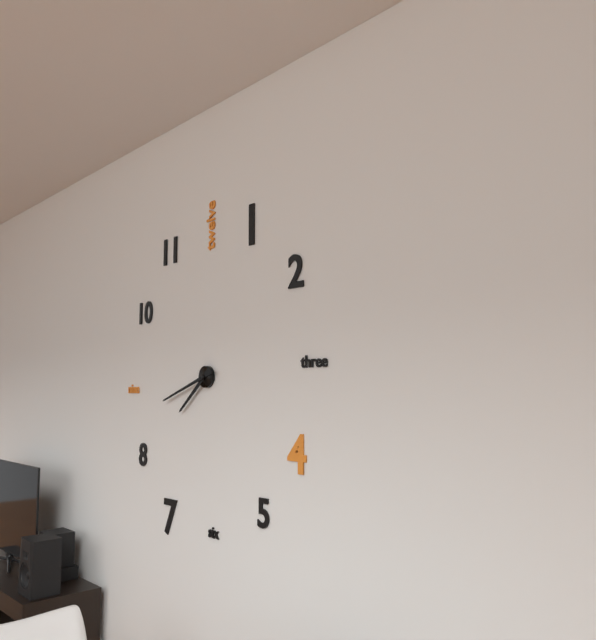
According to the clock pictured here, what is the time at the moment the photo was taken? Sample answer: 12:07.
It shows 7:42
